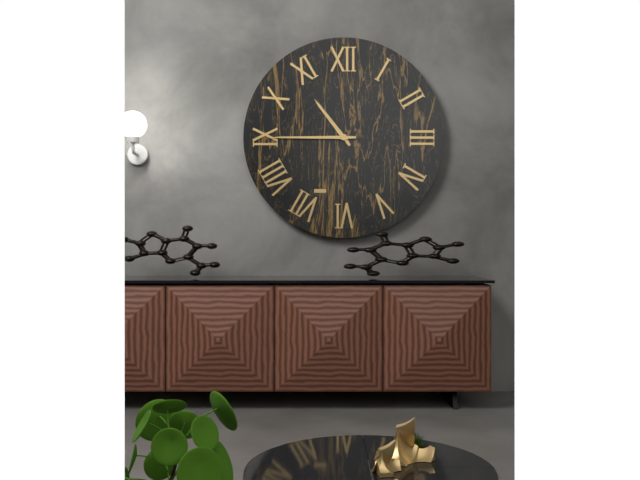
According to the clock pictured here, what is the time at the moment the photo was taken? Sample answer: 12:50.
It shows 10:45
